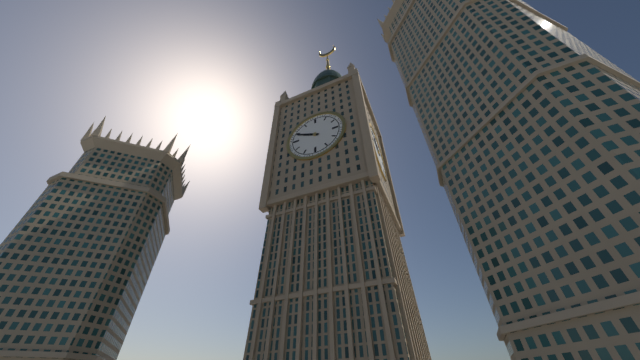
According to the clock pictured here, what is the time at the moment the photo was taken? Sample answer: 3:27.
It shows 9:49
